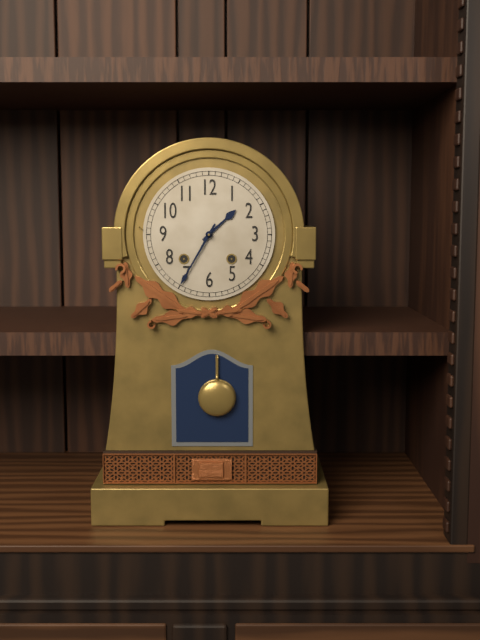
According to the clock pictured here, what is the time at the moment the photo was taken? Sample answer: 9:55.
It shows 1:35
